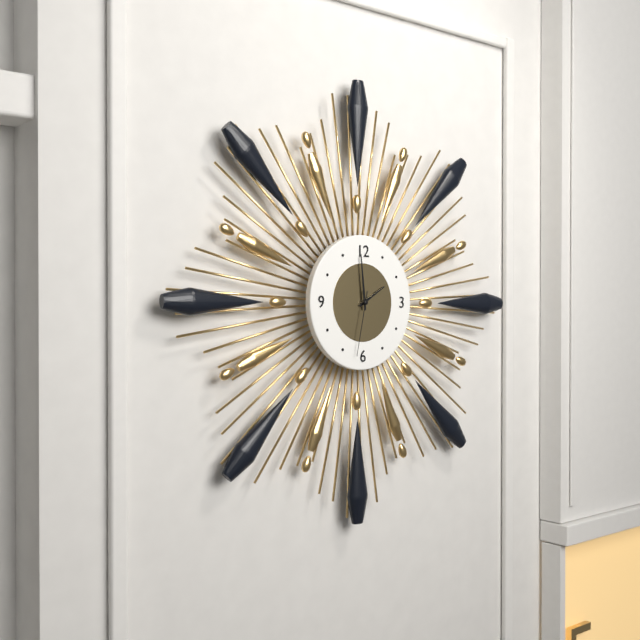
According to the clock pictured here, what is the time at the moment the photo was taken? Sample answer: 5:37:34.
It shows 1:59:32
